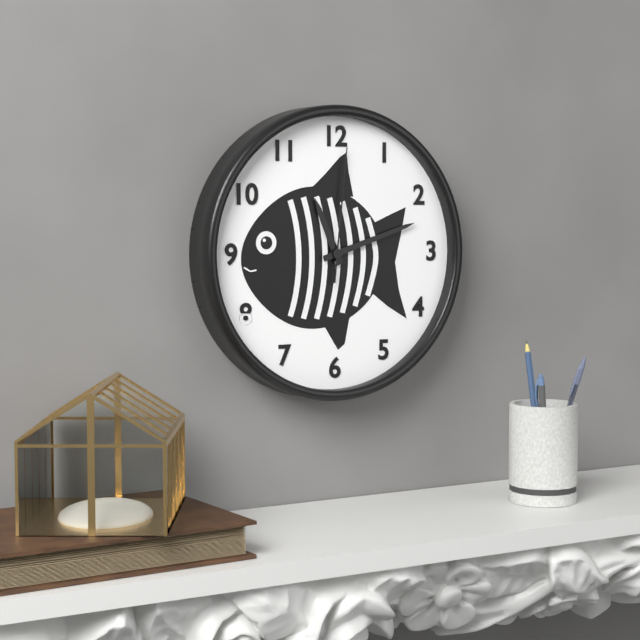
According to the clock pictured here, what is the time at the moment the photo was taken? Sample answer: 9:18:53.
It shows 11:12:01
